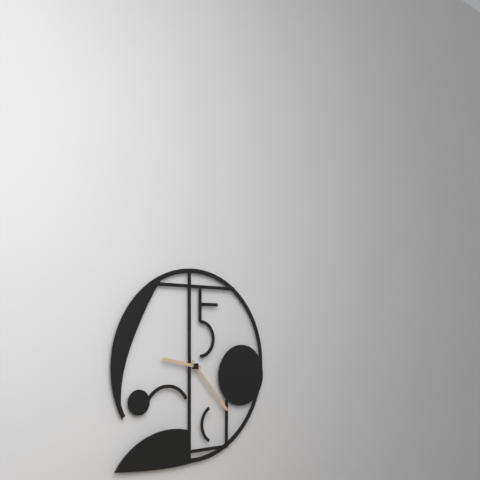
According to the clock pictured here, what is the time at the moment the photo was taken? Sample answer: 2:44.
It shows 9:23
